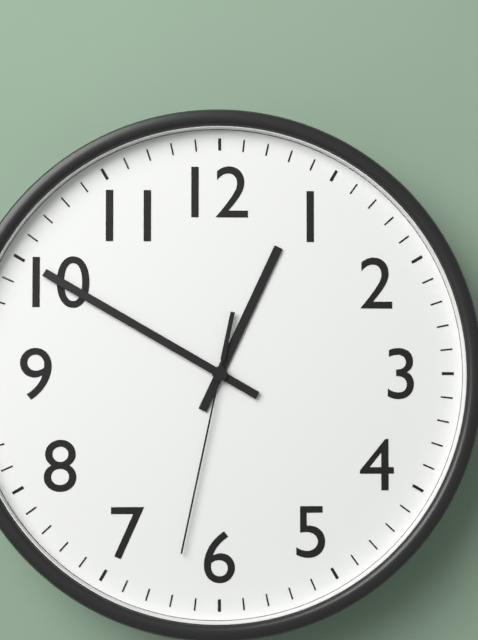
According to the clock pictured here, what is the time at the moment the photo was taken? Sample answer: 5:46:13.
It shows 12:50:32
